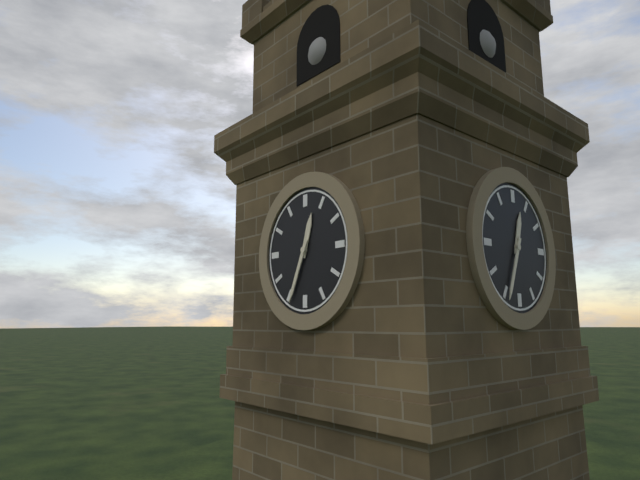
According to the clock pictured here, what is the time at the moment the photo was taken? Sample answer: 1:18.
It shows 12:34
